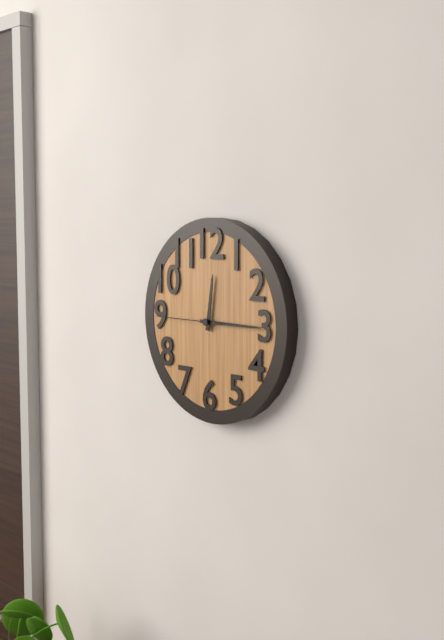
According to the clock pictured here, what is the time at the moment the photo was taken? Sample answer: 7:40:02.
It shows 12:15:45
